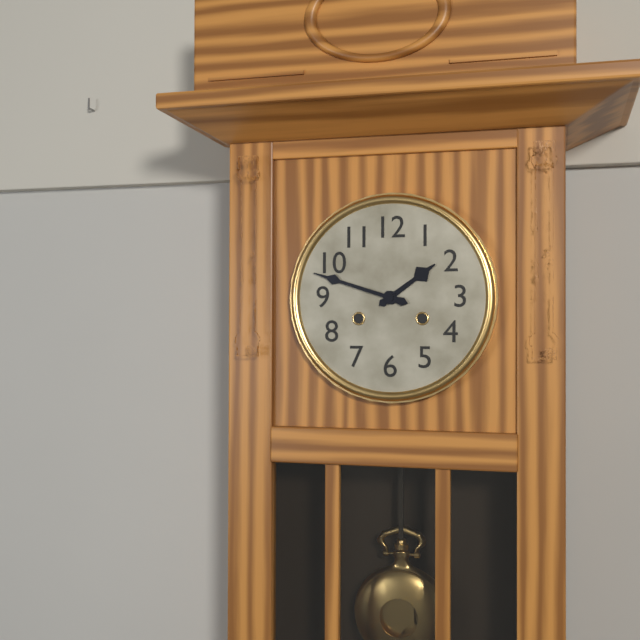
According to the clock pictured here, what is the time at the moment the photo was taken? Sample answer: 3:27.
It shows 1:48
